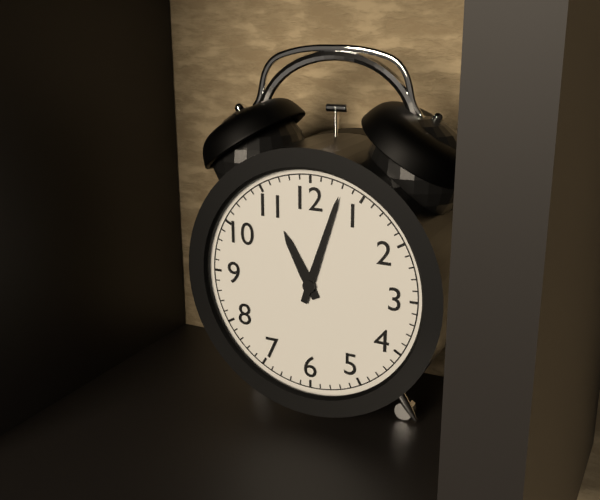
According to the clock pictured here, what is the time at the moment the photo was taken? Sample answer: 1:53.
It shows 11:03
